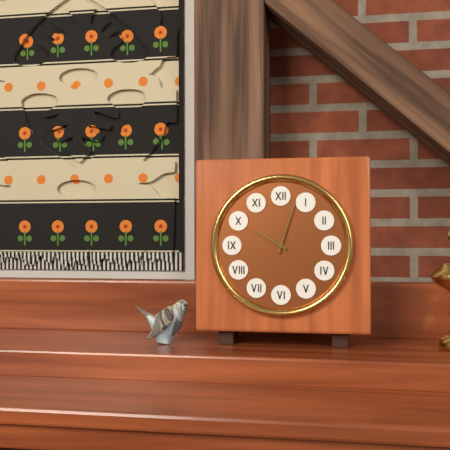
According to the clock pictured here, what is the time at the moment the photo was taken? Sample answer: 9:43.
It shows 10:03
